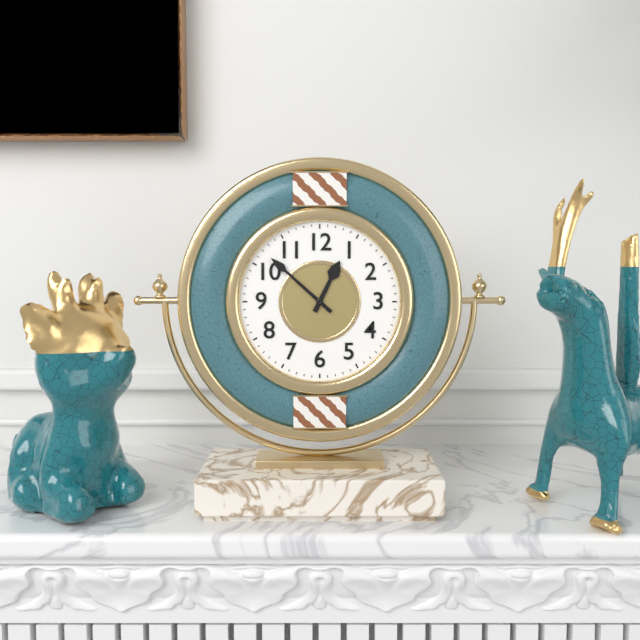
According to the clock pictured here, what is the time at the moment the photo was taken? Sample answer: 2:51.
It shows 12:52
